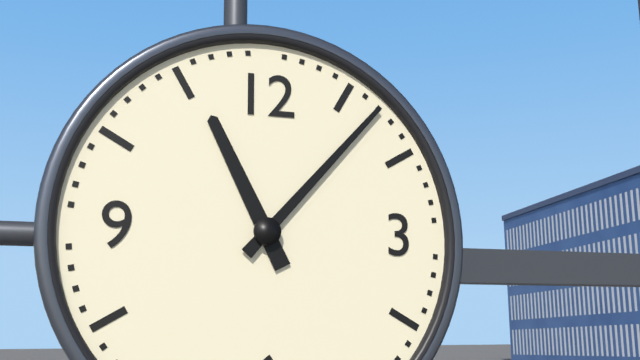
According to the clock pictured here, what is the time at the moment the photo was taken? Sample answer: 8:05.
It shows 11:07
